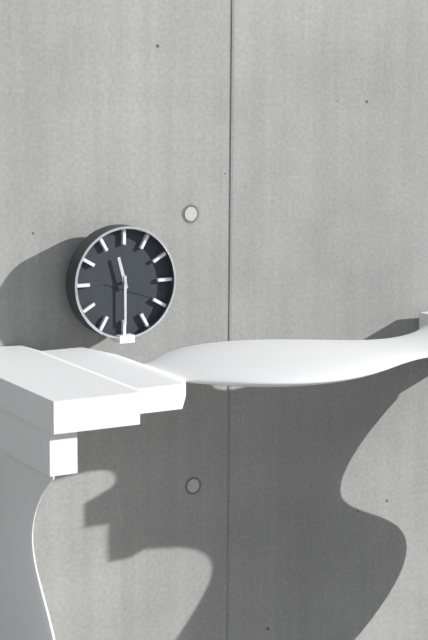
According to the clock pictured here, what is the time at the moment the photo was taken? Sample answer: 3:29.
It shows 11:30
